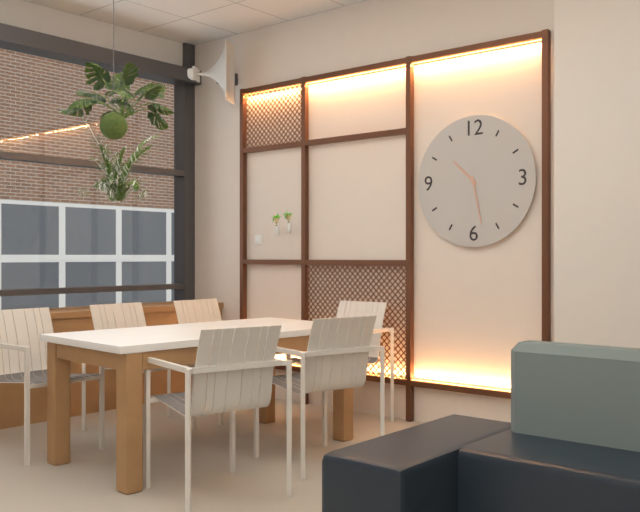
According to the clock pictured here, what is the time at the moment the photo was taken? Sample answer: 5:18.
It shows 10:28
